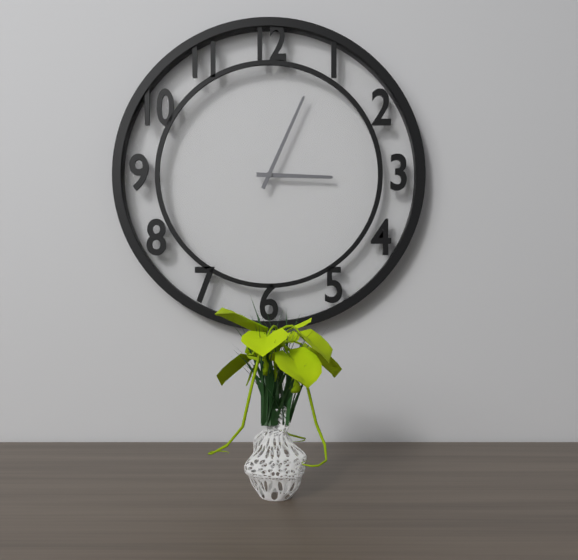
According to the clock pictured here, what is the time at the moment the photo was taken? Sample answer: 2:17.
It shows 3:04
